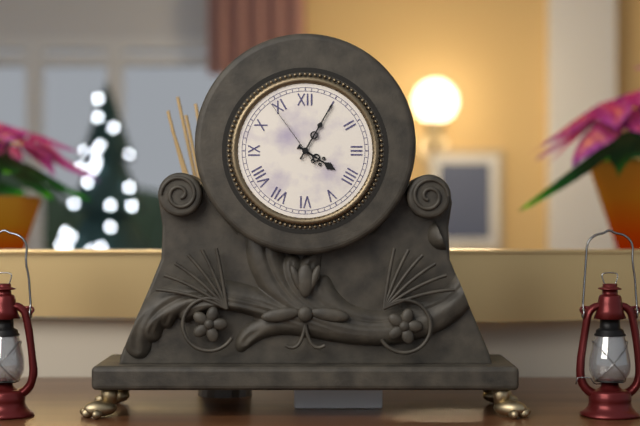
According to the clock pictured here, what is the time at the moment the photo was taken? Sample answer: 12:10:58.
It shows 4:05:54
